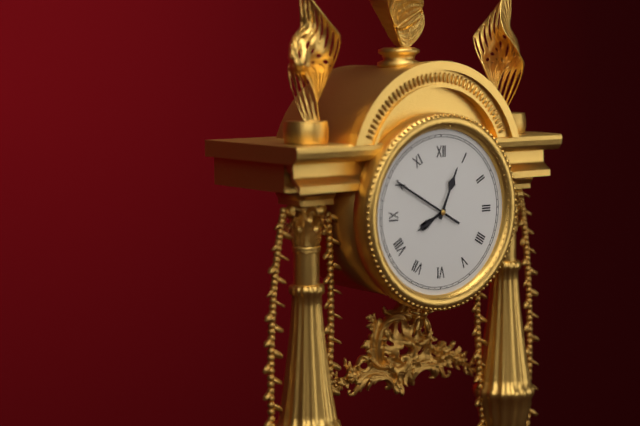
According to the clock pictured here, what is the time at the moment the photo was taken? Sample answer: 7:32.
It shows 8:04
